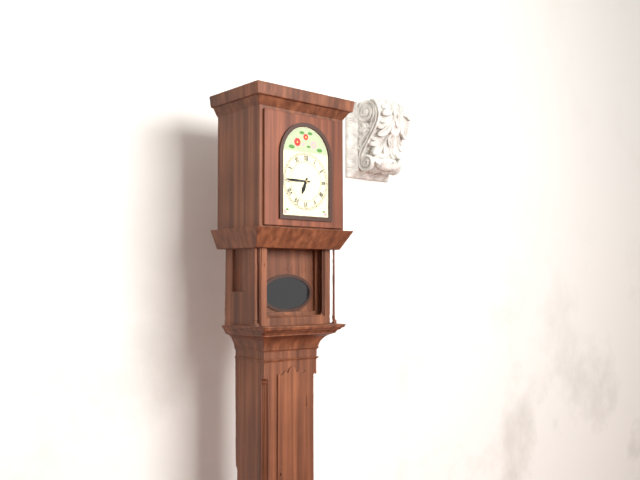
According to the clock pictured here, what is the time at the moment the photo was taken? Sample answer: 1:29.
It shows 6:45
